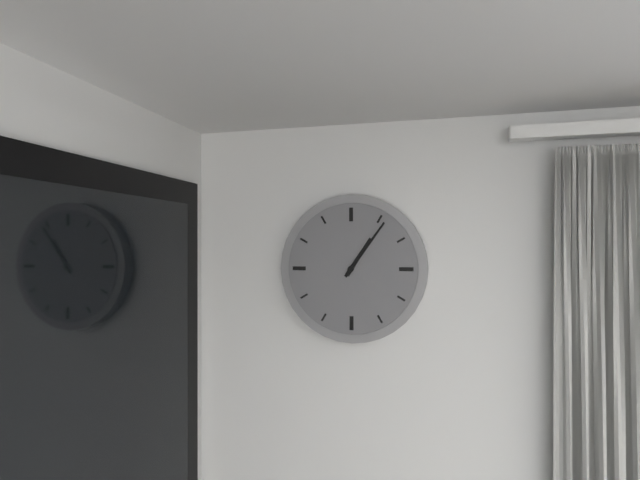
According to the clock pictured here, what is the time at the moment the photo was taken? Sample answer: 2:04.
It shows 1:06
